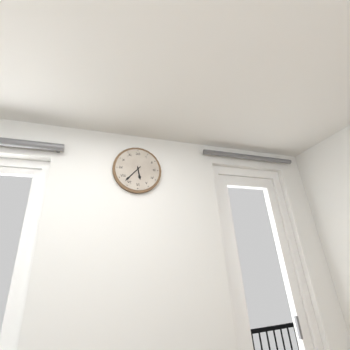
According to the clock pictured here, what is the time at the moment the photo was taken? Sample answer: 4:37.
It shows 5:37
